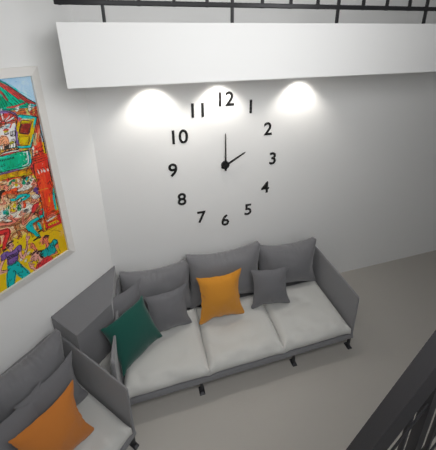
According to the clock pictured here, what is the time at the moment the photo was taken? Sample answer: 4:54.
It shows 2:00
